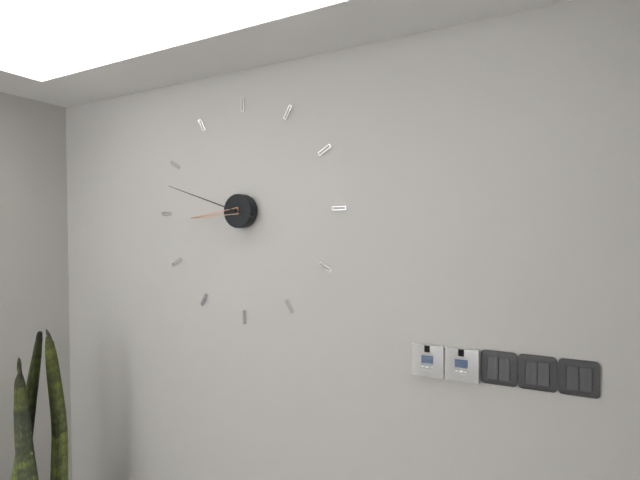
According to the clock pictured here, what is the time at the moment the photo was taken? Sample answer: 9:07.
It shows 8:48
